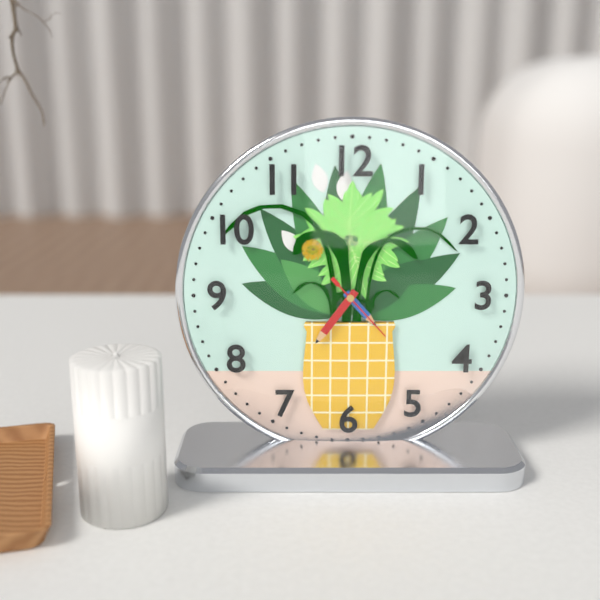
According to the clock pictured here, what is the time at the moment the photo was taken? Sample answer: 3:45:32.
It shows 4:36:23
